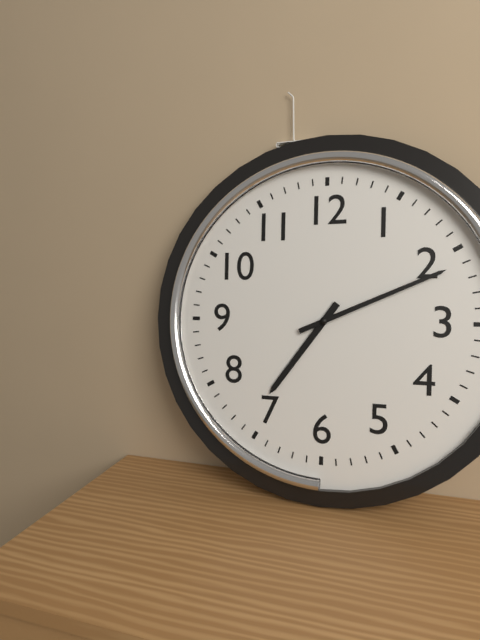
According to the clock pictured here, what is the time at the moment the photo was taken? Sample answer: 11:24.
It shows 7:11
